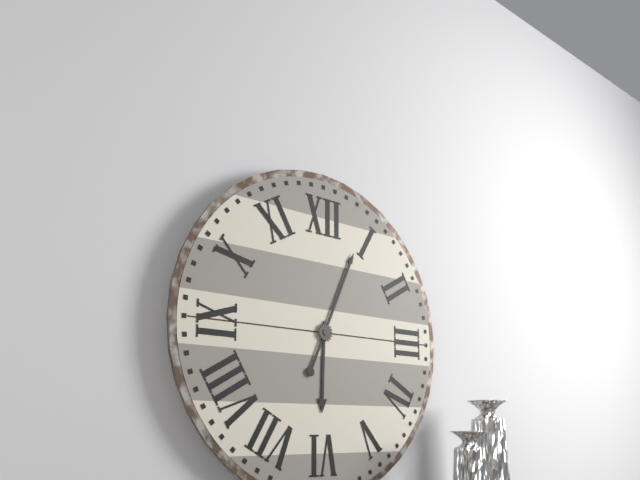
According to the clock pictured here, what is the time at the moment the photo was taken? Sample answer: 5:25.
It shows 6:04
